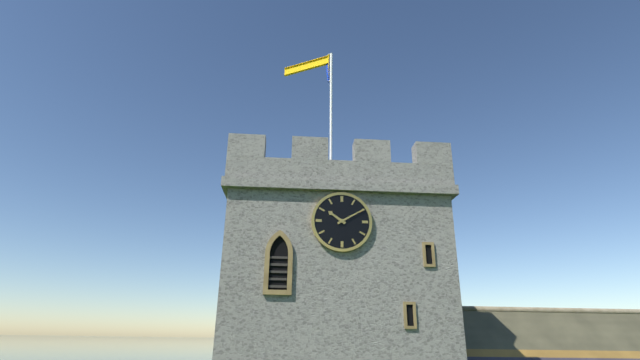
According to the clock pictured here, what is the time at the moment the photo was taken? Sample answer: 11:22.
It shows 10:10
